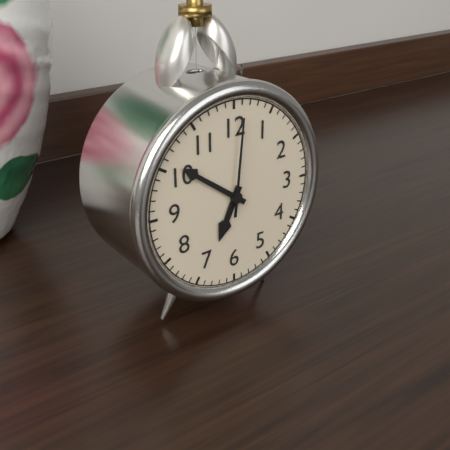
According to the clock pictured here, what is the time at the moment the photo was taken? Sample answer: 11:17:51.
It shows 6:51:01
